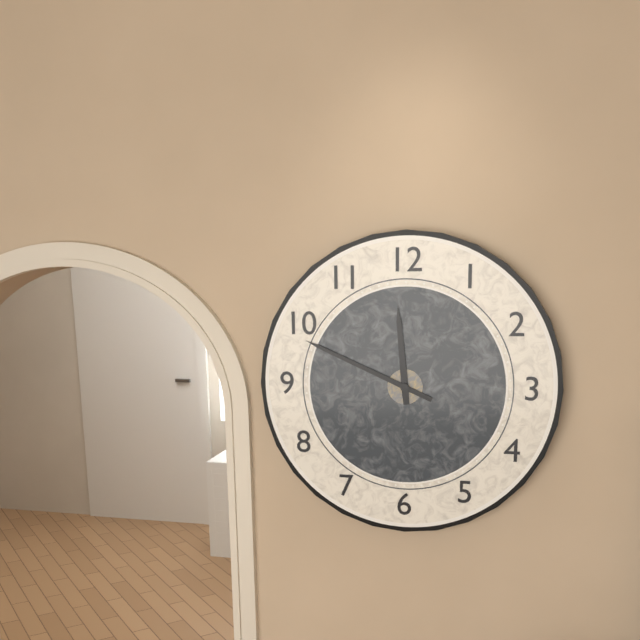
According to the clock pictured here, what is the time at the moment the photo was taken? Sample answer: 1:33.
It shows 11:49
